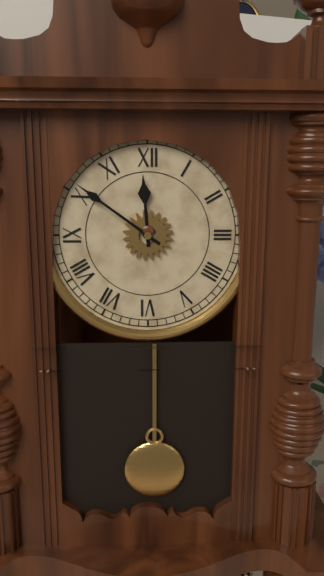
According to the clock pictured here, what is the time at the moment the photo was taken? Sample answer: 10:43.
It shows 11:51
